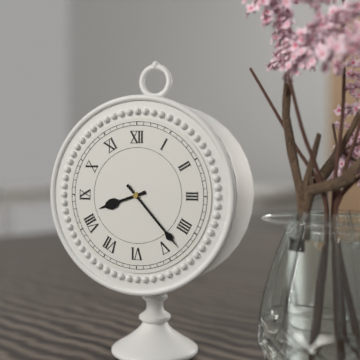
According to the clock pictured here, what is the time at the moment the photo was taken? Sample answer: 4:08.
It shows 8:23
